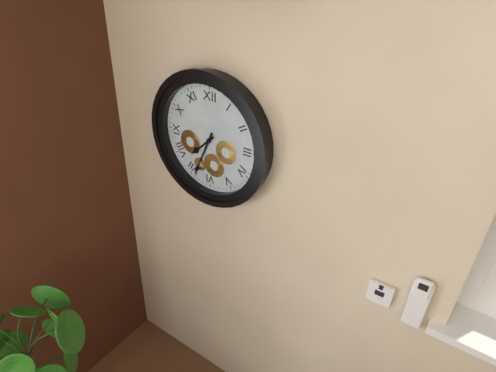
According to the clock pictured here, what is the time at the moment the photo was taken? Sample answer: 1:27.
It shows 7:34
